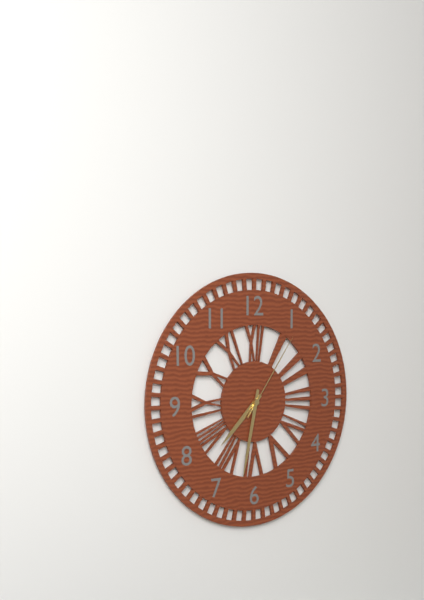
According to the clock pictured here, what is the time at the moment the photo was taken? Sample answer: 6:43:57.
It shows 7:32:06
